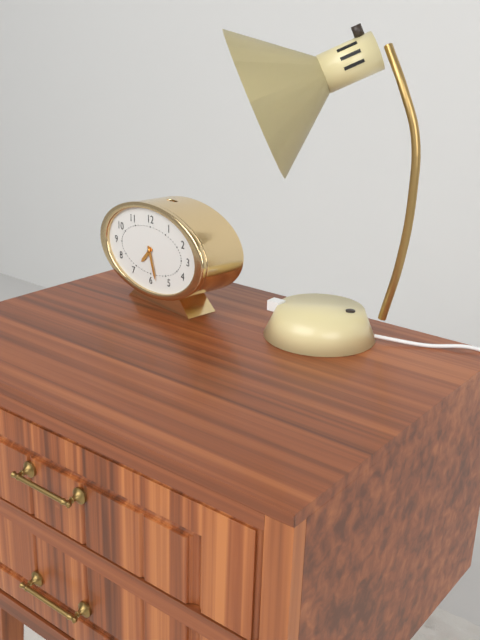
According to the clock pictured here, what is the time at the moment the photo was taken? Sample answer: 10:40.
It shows 7:27
